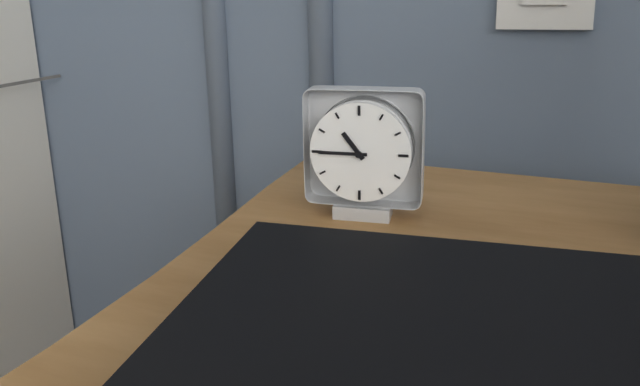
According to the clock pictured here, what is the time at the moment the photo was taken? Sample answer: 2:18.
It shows 10:45
